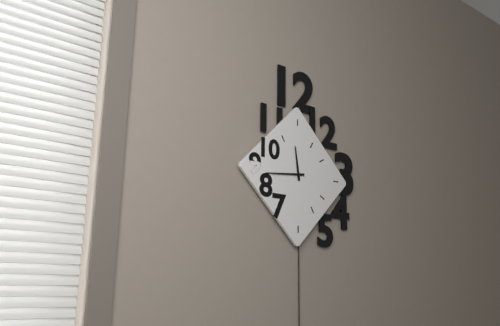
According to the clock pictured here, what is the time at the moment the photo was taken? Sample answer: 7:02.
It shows 11:44
